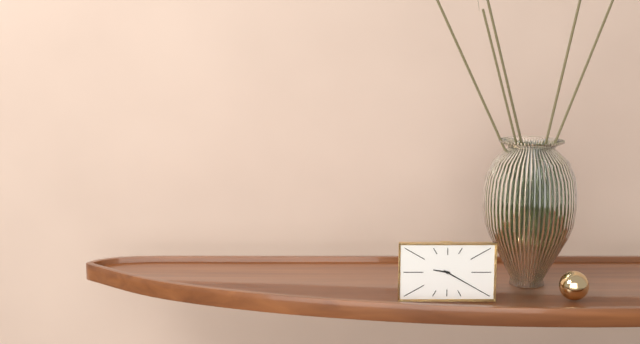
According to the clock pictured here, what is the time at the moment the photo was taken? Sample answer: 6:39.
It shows 9:20
